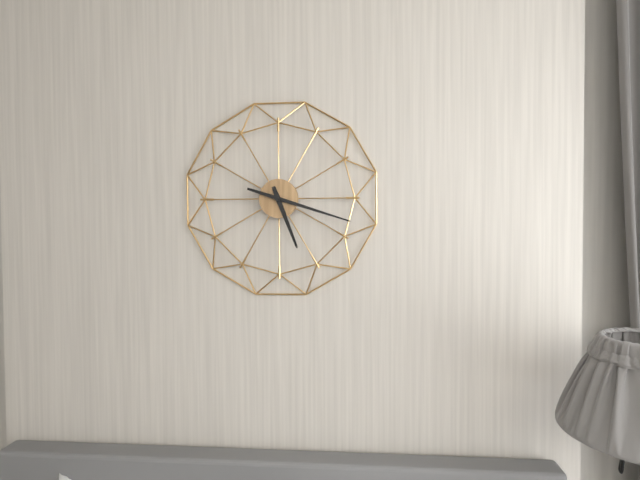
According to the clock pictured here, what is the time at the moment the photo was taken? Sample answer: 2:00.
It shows 5:18
